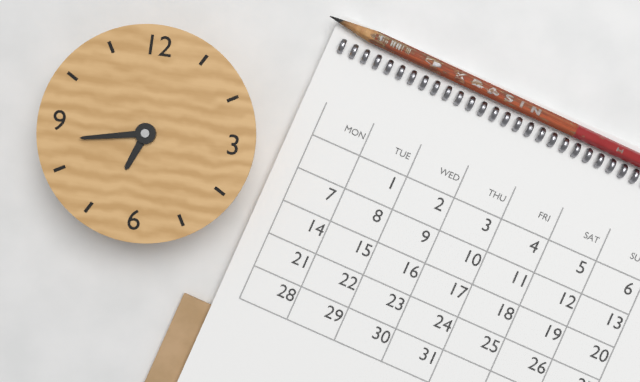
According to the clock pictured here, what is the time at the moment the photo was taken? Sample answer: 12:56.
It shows 6:43
